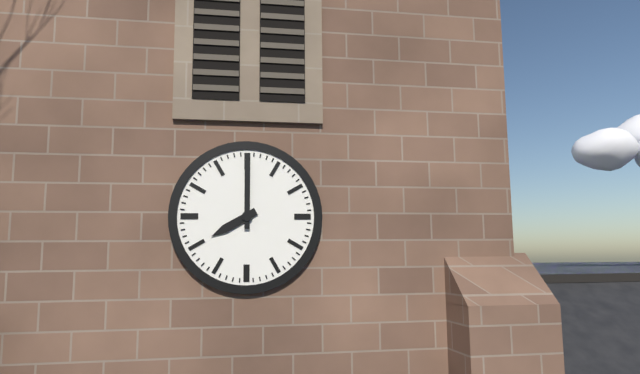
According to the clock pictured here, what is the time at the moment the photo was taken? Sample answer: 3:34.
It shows 8:00
